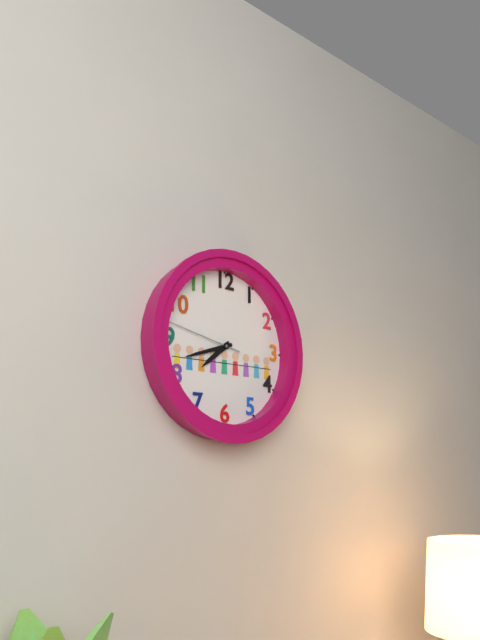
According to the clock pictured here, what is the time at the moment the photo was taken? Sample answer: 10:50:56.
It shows 7:42:47
